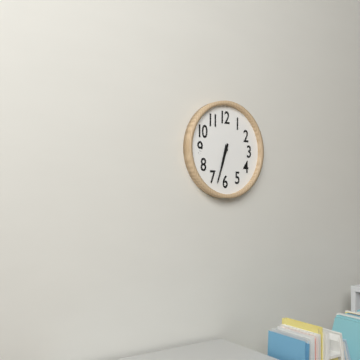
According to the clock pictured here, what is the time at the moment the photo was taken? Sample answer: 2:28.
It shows 6:33
